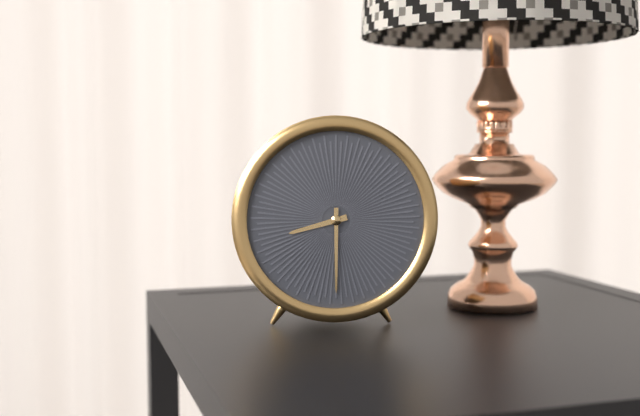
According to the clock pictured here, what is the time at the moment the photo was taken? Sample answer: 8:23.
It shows 8:30
